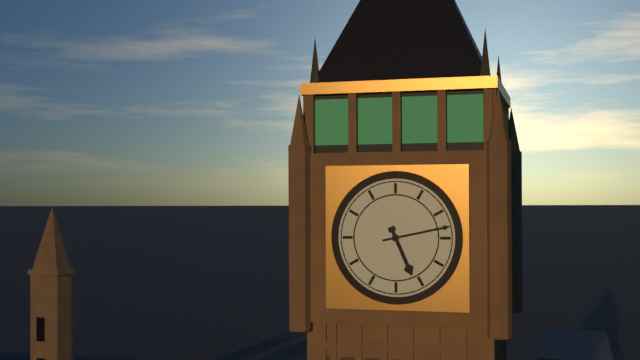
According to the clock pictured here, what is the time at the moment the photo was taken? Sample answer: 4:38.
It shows 5:13
